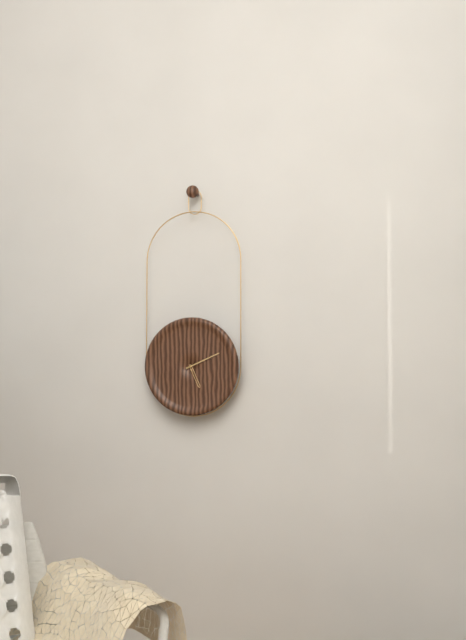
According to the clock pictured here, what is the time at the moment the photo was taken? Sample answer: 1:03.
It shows 5:11
